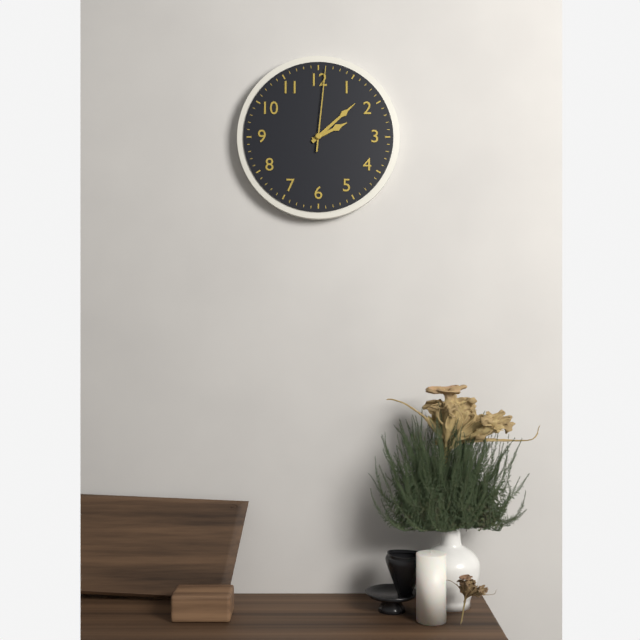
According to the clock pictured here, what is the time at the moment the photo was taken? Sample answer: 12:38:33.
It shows 2:08:01
